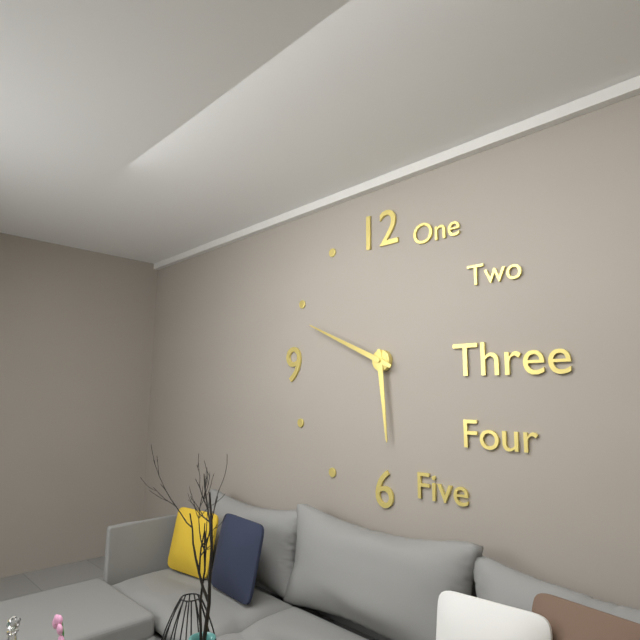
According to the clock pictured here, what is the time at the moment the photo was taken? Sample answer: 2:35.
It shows 5:49
